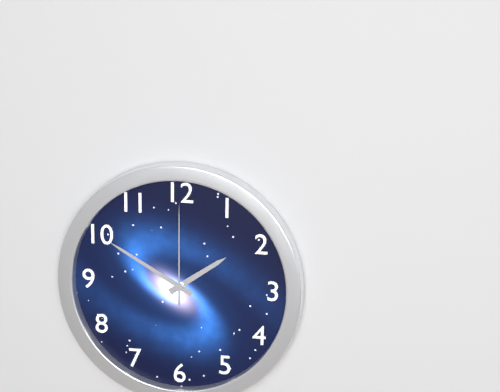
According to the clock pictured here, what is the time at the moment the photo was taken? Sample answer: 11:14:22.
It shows 1:50:00
